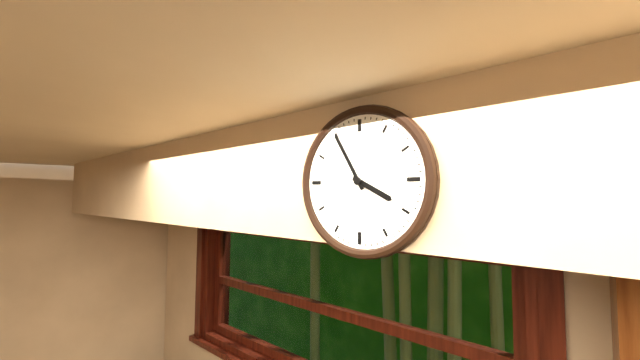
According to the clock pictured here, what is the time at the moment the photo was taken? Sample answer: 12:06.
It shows 3:55
